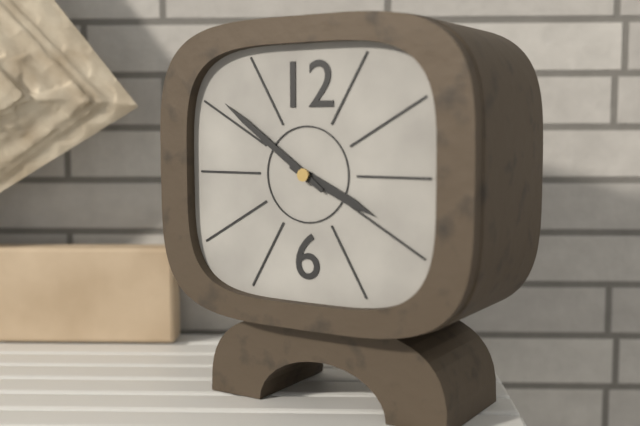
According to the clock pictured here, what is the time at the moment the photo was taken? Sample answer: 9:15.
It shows 3:51
